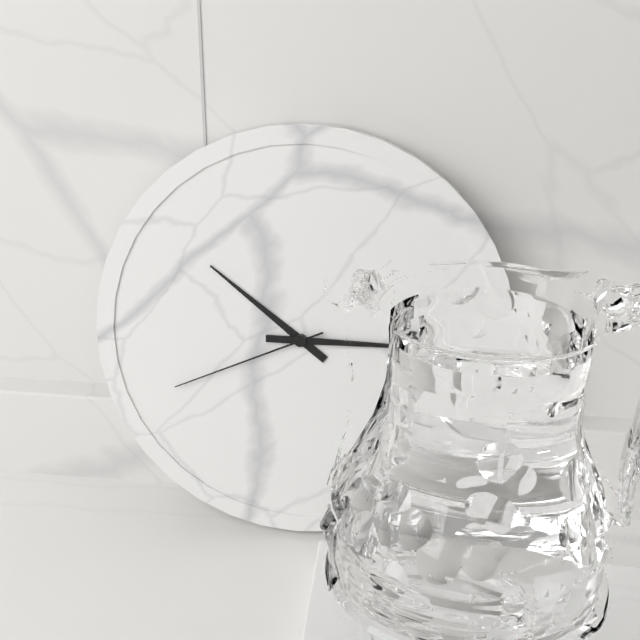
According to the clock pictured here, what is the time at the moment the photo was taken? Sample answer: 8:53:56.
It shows 10:15:41
